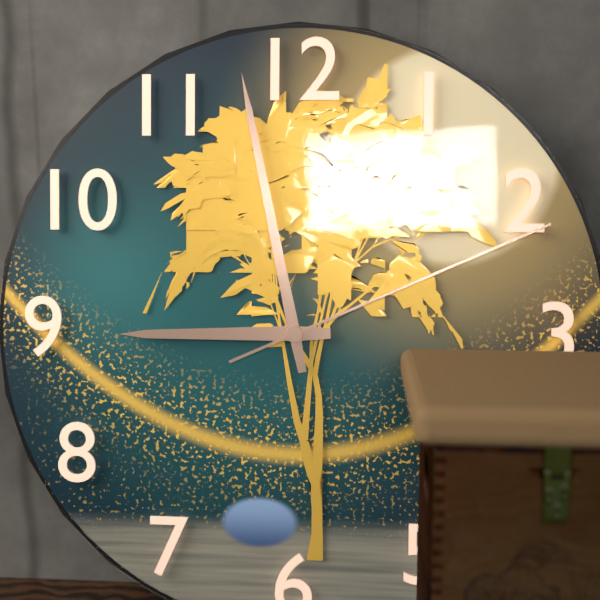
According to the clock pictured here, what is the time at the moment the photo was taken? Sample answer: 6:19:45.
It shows 8:58:11
